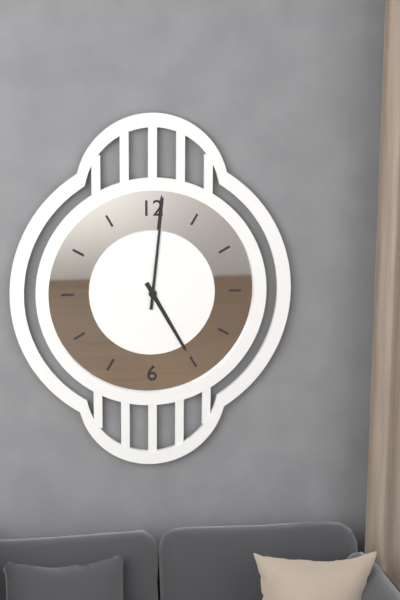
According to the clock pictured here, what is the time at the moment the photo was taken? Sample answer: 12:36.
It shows 5:01
